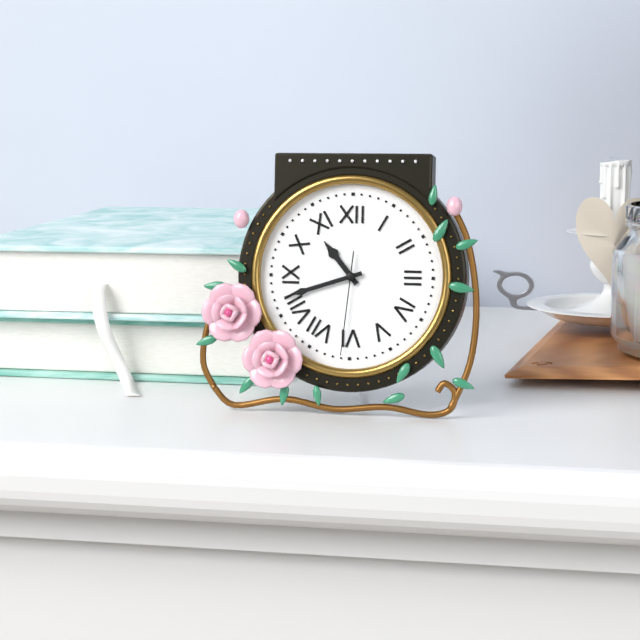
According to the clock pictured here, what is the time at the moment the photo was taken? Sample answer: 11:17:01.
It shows 10:42:31
